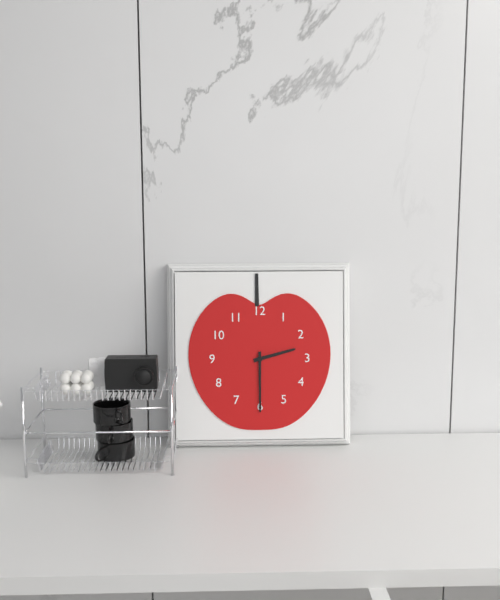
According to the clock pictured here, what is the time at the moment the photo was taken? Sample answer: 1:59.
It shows 2:30
